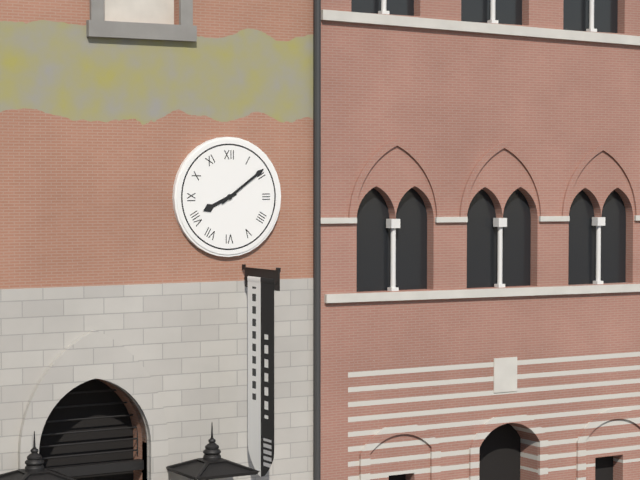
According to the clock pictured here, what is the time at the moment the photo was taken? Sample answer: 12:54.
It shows 8:09
